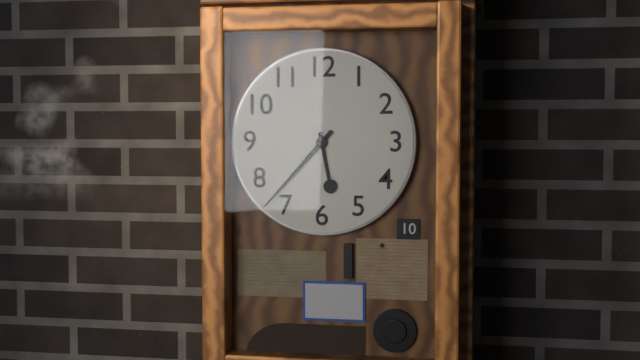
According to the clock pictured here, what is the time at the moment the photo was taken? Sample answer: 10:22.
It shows 5:37
